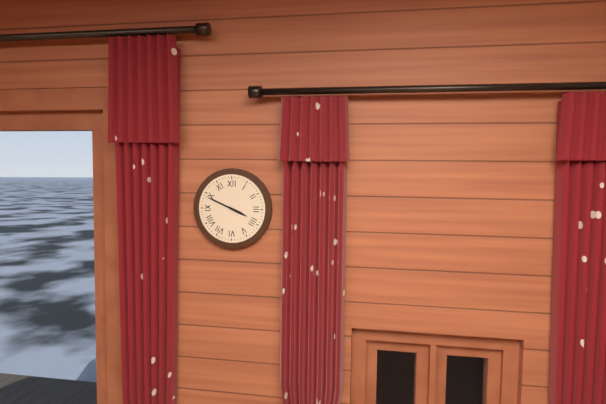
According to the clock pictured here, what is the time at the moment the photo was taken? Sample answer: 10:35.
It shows 3:49
